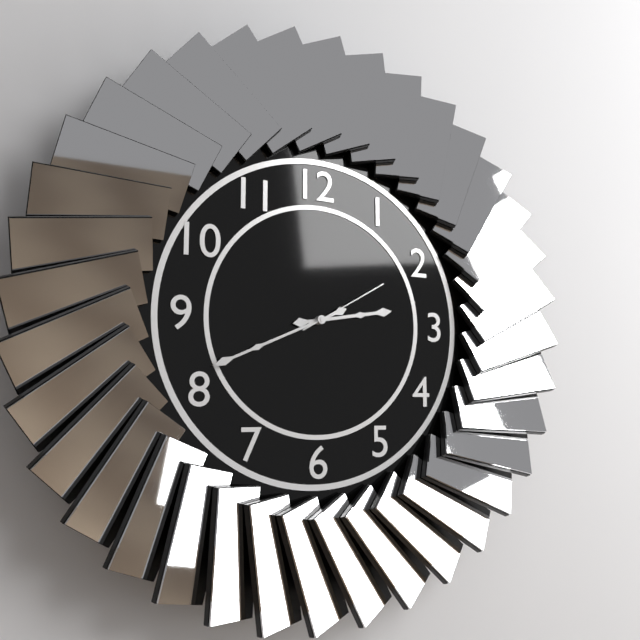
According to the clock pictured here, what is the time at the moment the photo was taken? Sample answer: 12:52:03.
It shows 2:41:10
